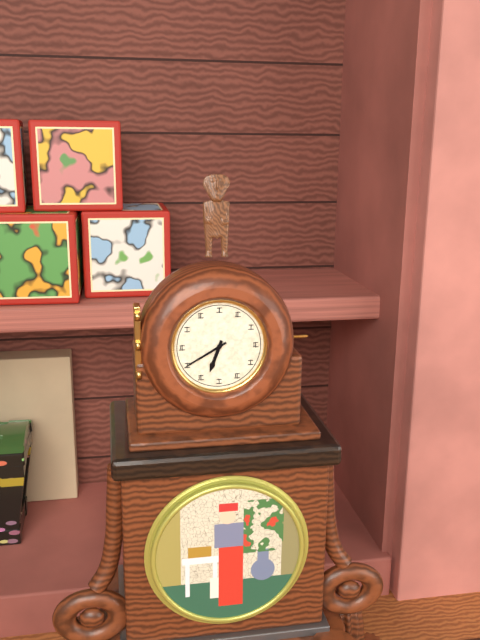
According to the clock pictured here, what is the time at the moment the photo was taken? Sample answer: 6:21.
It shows 6:40
